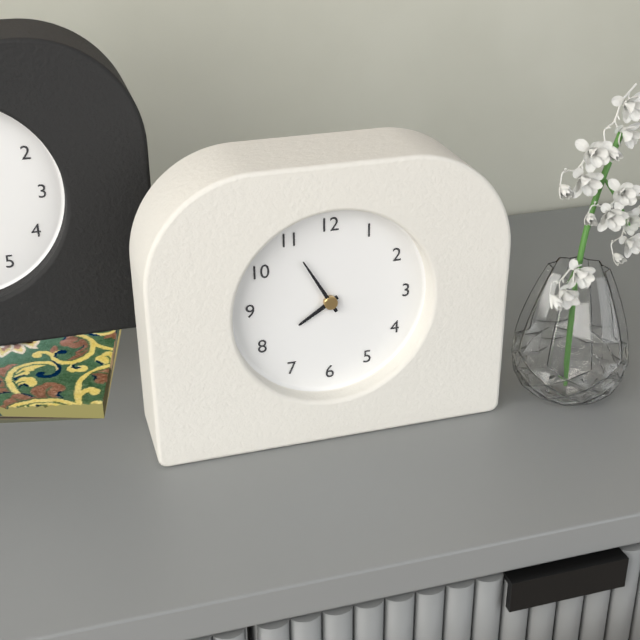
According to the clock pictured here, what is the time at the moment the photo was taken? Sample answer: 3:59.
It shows 7:55
